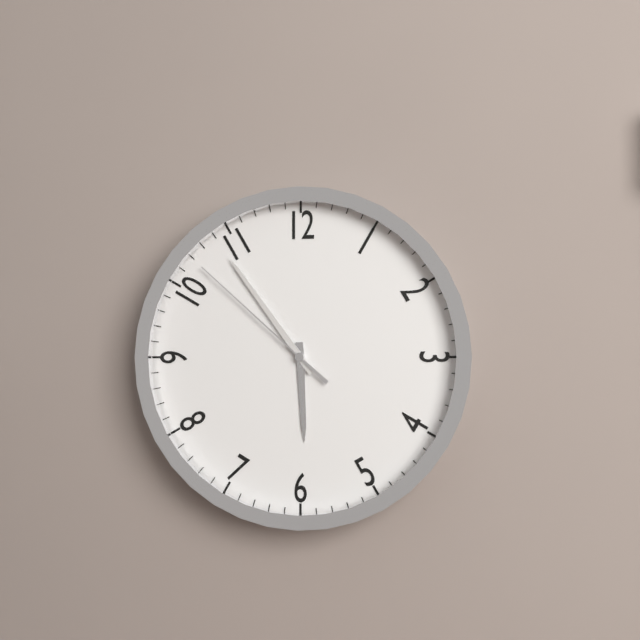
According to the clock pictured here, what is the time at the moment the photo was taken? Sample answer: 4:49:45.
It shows 5:54:52
